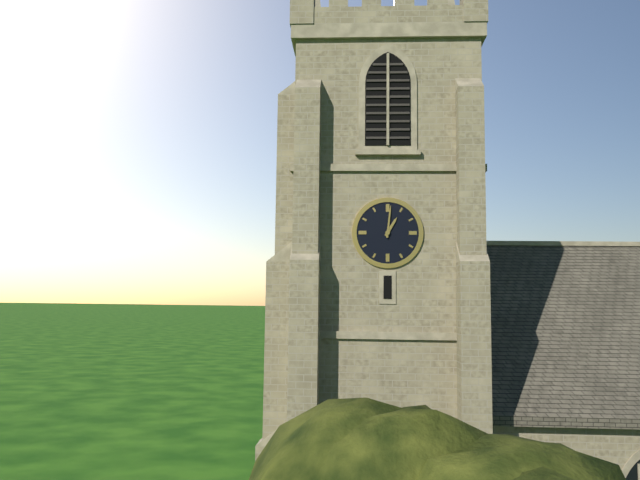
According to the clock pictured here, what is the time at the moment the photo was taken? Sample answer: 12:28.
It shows 1:01
